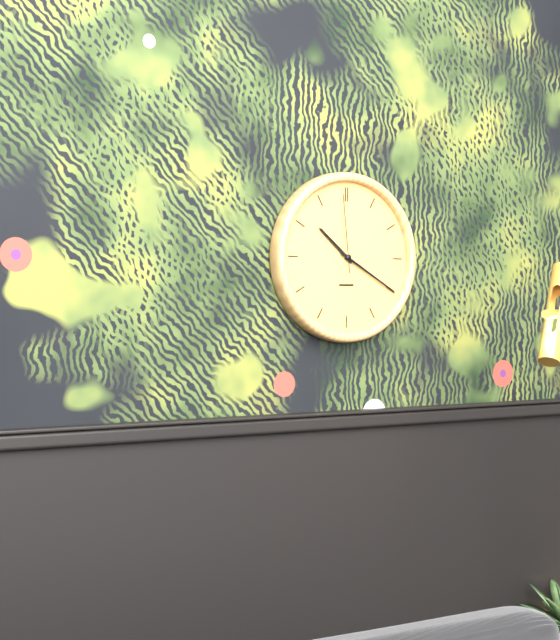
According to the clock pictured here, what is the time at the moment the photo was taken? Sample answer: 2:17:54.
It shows 10:20:59
